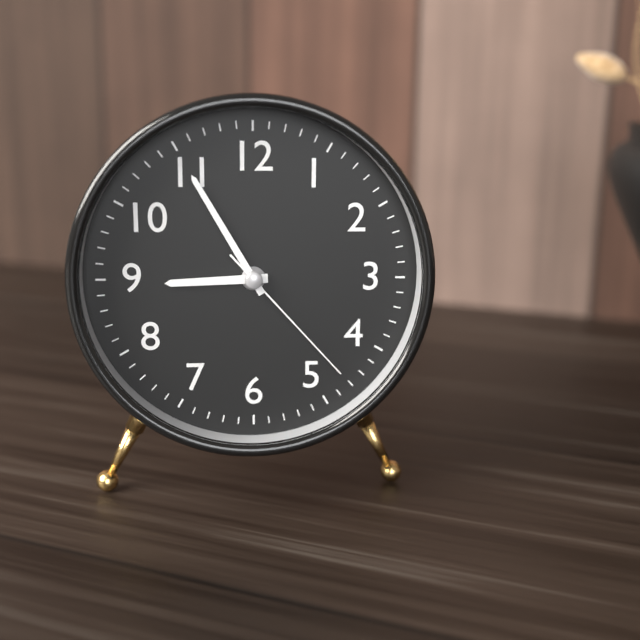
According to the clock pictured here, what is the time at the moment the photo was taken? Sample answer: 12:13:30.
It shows 8:55:23
